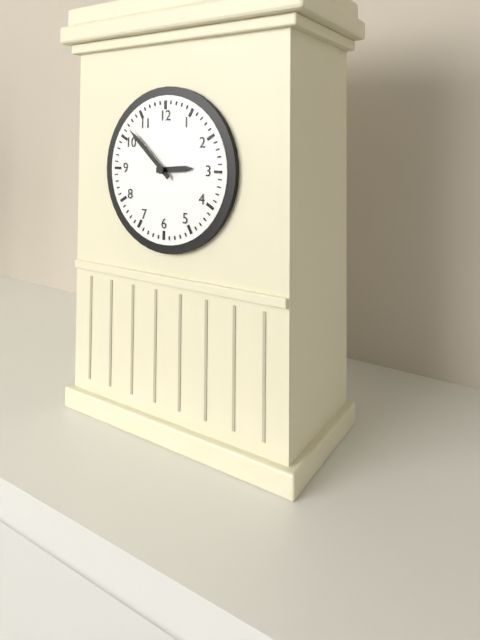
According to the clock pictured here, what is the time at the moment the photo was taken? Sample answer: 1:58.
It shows 2:52
